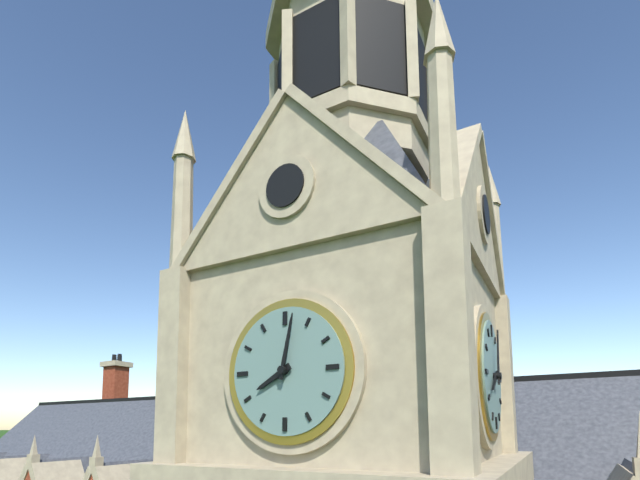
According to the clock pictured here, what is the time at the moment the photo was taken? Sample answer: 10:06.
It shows 8:02
